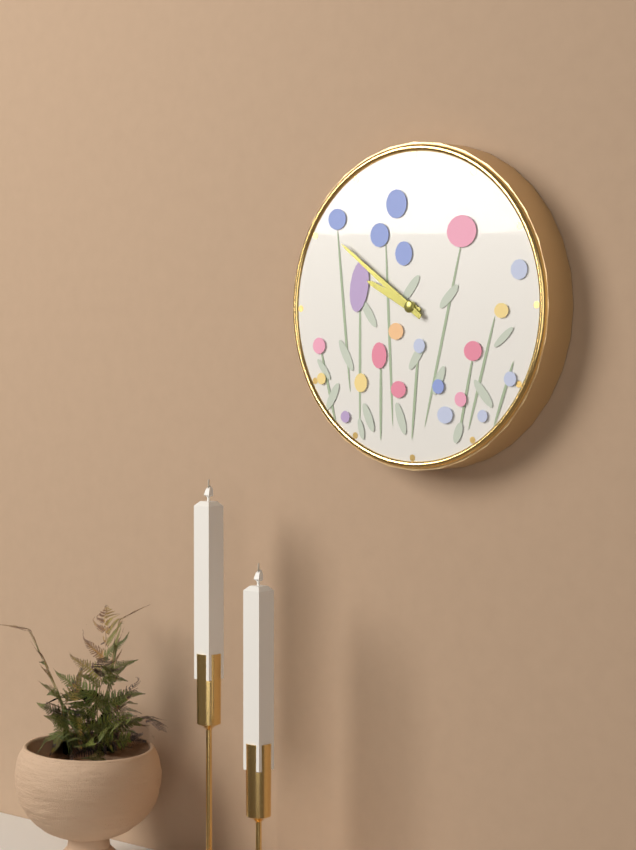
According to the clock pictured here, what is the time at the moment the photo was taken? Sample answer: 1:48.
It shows 9:51
